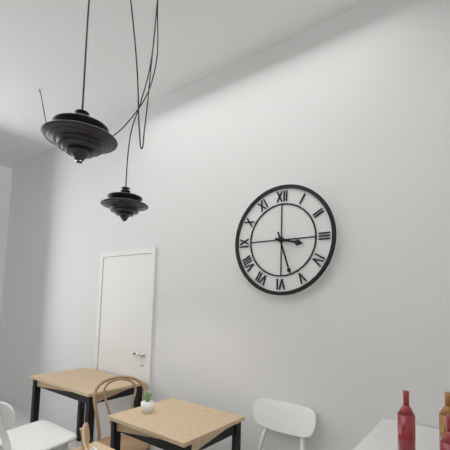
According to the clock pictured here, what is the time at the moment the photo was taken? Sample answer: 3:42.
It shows 3:27
